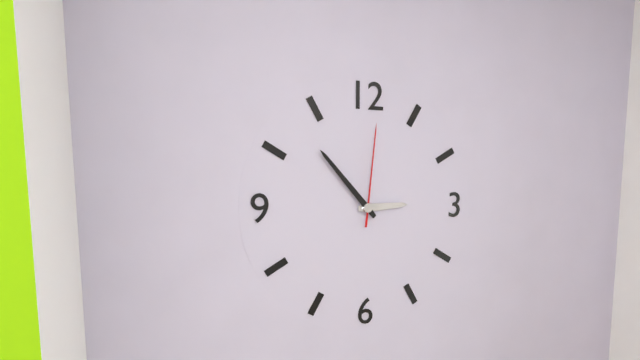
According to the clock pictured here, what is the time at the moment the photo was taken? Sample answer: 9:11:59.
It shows 2:53:01
